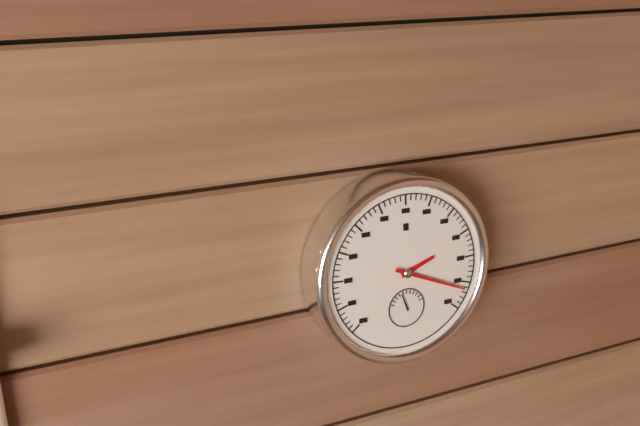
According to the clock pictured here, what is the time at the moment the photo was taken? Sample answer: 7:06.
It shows 2:19
